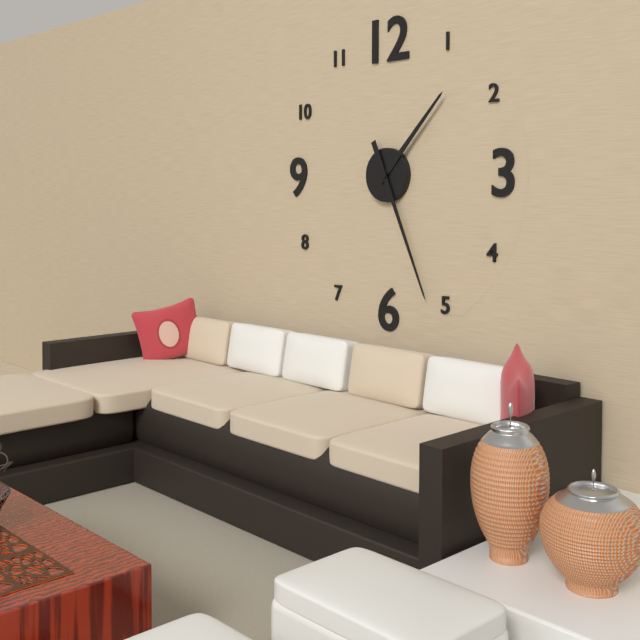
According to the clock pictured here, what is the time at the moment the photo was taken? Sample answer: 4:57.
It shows 1:26
